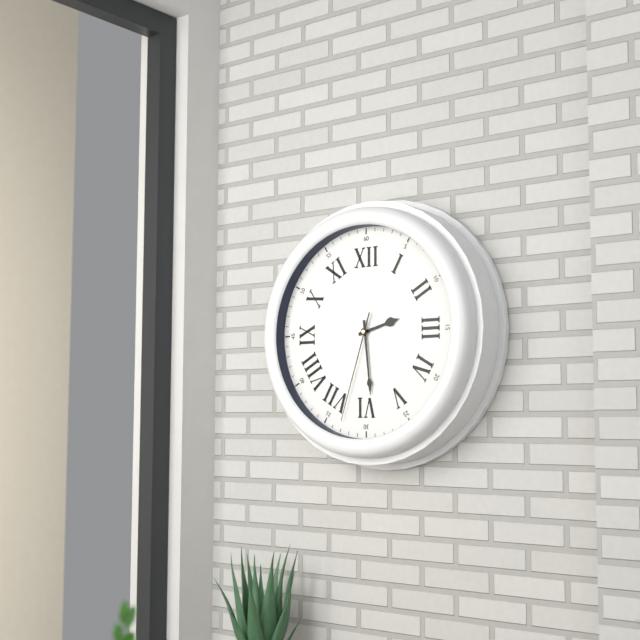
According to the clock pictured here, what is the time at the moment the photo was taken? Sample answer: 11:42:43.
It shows 2:29:33
